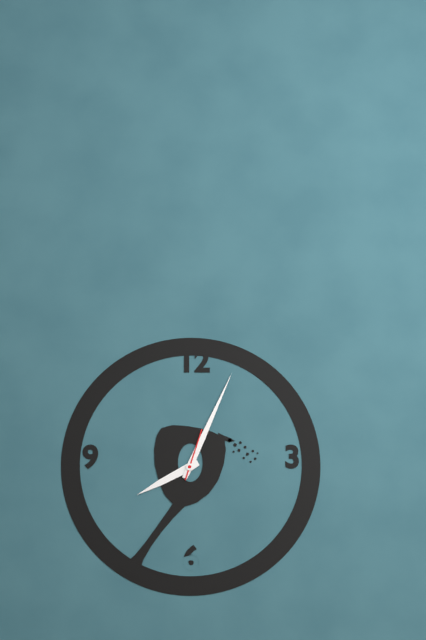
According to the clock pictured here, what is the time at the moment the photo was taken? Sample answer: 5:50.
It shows 8:04
